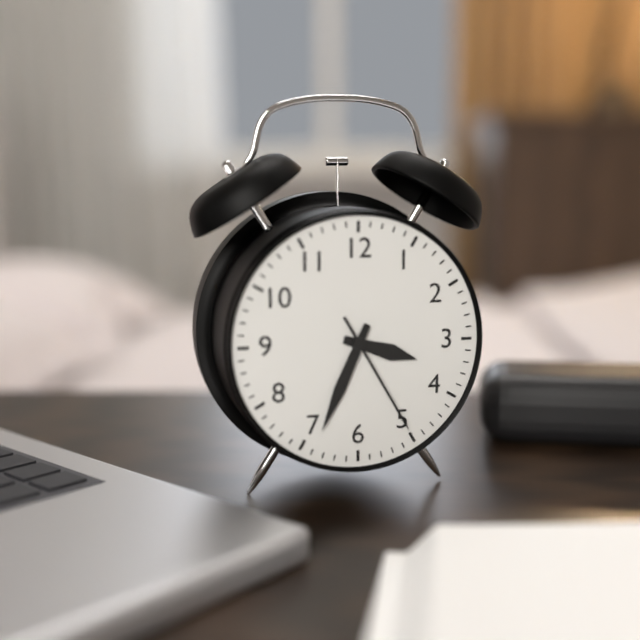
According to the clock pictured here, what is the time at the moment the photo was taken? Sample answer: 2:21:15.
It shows 3:34:25
